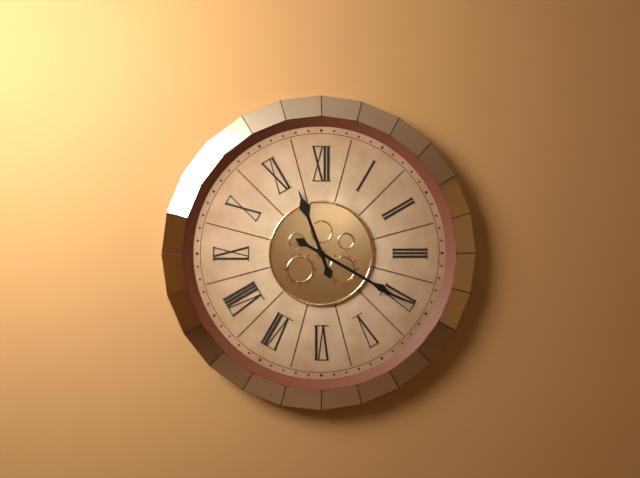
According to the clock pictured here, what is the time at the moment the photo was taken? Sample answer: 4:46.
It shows 11:20
